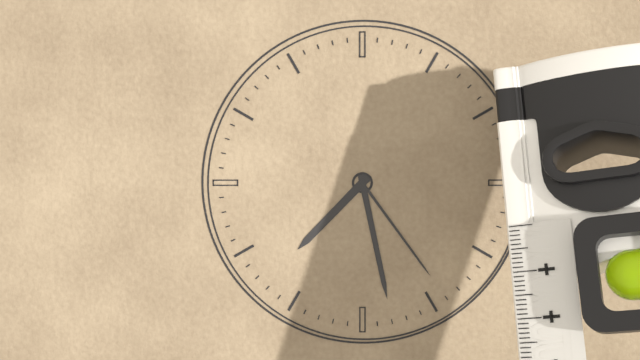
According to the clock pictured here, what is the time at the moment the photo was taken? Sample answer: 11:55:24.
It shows 7:28:24
